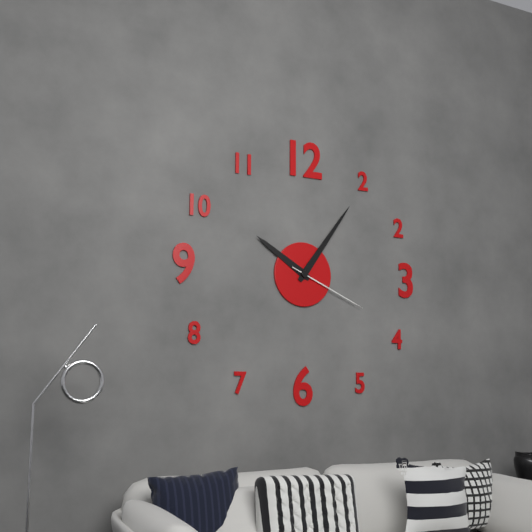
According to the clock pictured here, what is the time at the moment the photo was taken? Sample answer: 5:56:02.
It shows 10:06:19
